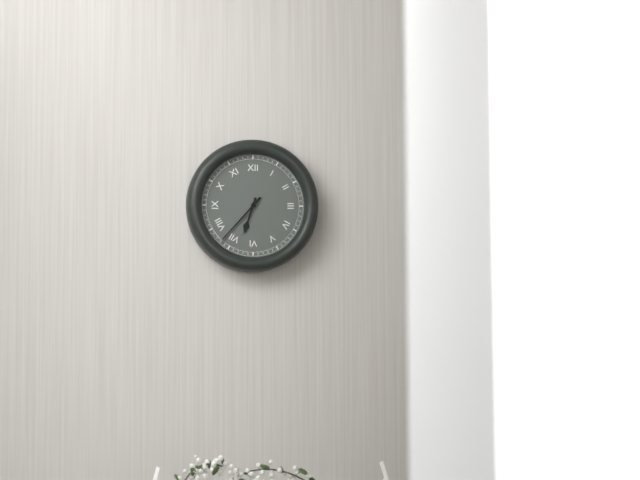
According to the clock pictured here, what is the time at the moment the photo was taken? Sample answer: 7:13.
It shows 6:37
